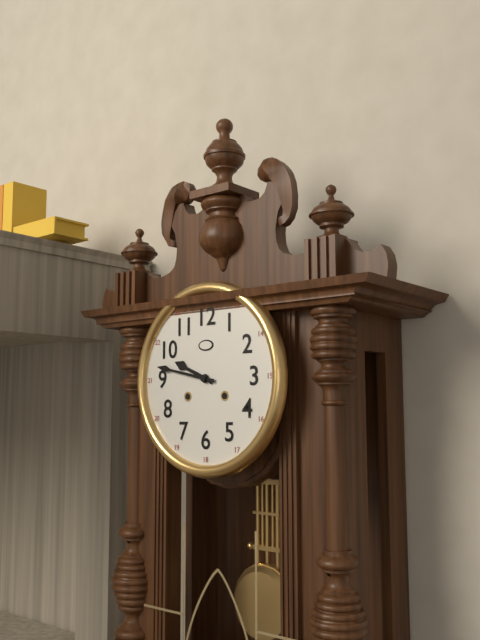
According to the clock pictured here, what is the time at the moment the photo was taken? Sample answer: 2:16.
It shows 9:47
